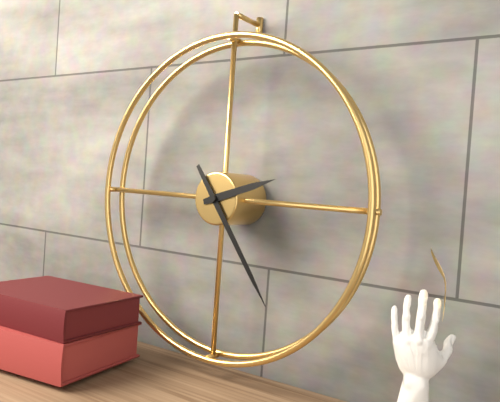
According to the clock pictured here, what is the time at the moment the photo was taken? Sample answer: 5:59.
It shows 2:24
